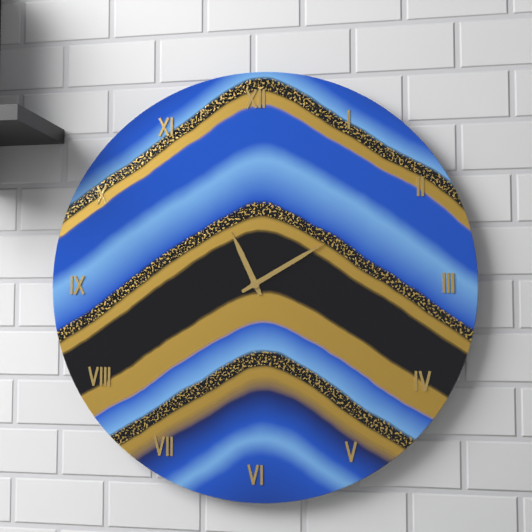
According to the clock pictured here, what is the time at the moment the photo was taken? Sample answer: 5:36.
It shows 11:10
